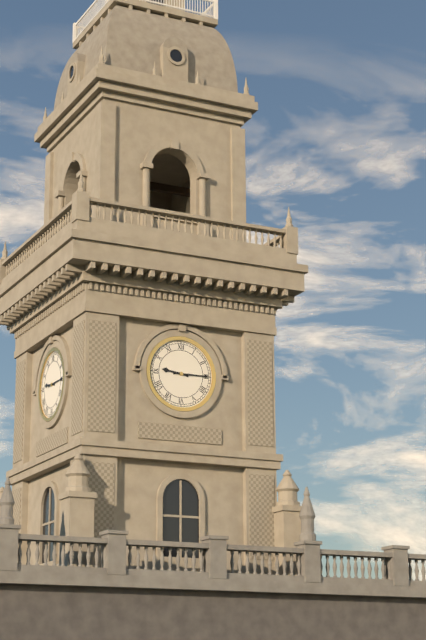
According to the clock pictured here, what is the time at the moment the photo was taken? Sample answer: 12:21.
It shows 9:15
